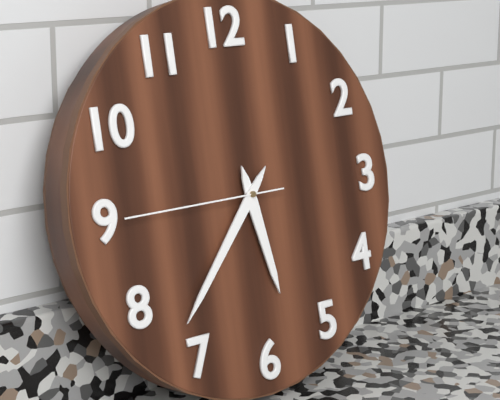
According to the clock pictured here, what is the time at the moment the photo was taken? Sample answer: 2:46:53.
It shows 5:37:45
